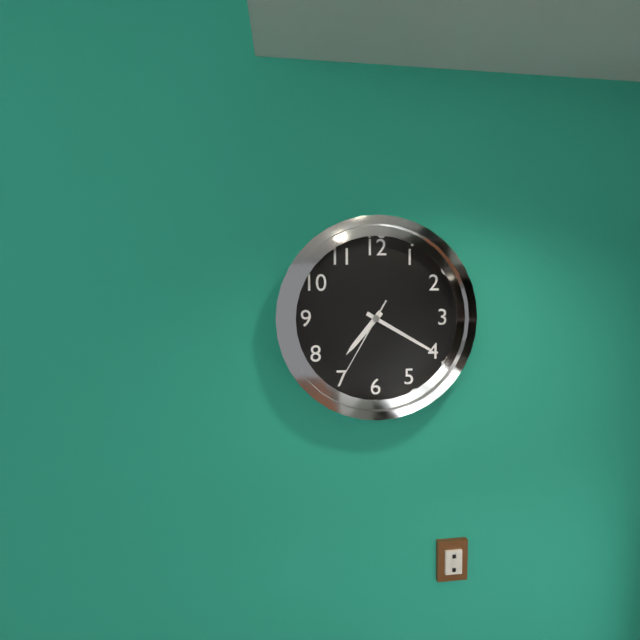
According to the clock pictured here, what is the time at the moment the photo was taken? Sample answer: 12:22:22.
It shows 7:20:35
